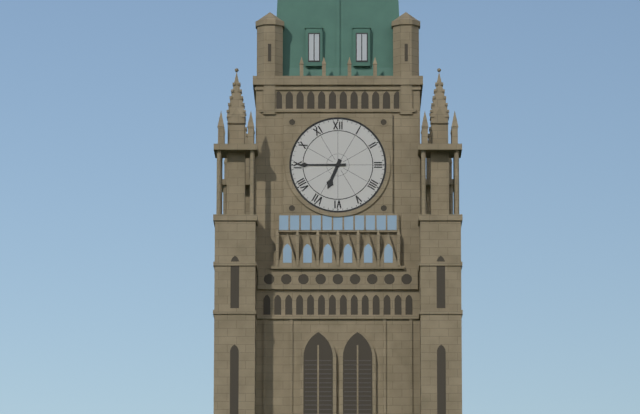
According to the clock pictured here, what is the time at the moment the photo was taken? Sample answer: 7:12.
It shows 6:45
